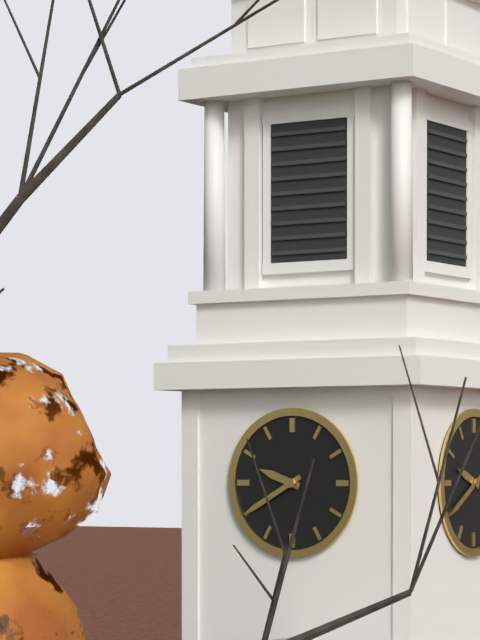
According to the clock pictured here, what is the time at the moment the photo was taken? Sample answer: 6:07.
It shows 9:40
